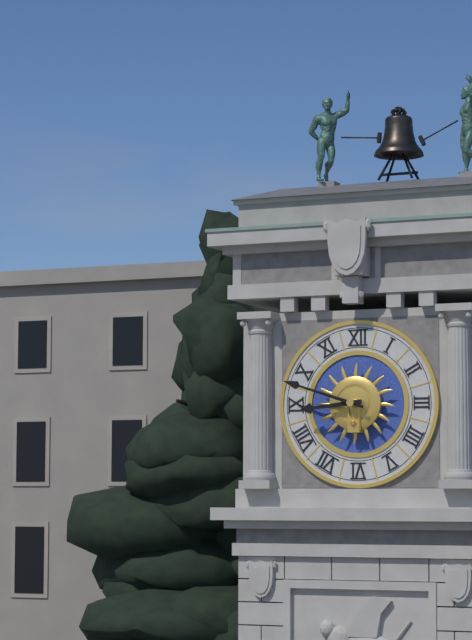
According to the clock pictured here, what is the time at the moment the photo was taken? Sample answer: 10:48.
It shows 8:48
